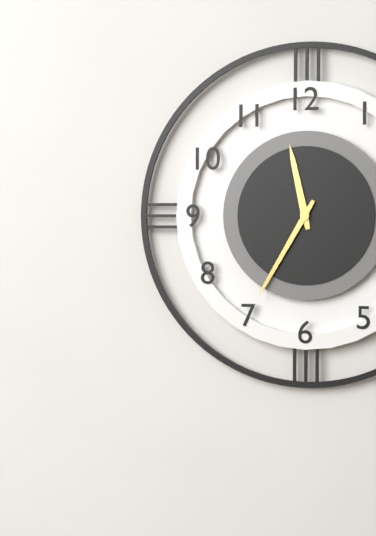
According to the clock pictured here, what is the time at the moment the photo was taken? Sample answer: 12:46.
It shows 11:35
